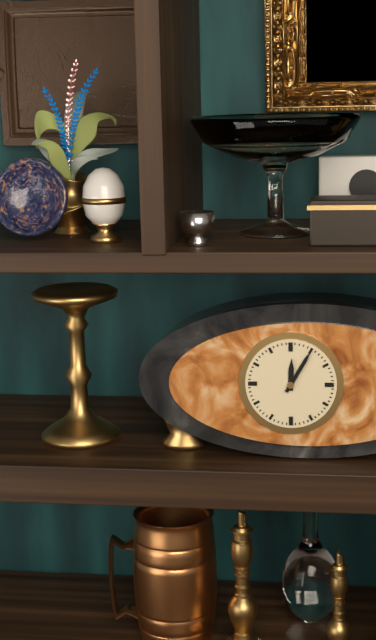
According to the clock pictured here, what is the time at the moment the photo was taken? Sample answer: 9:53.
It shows 12:05
